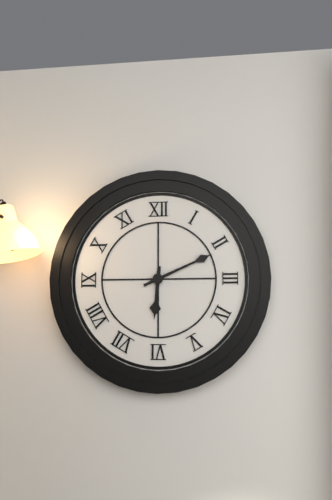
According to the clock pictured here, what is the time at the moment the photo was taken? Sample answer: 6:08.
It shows 6:11
